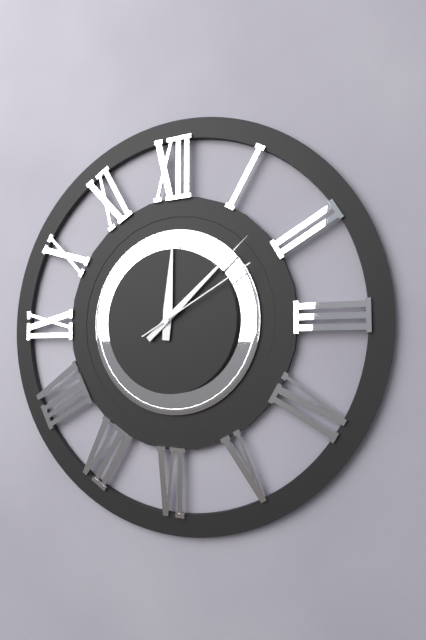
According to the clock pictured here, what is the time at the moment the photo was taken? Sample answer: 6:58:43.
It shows 12:08:10
